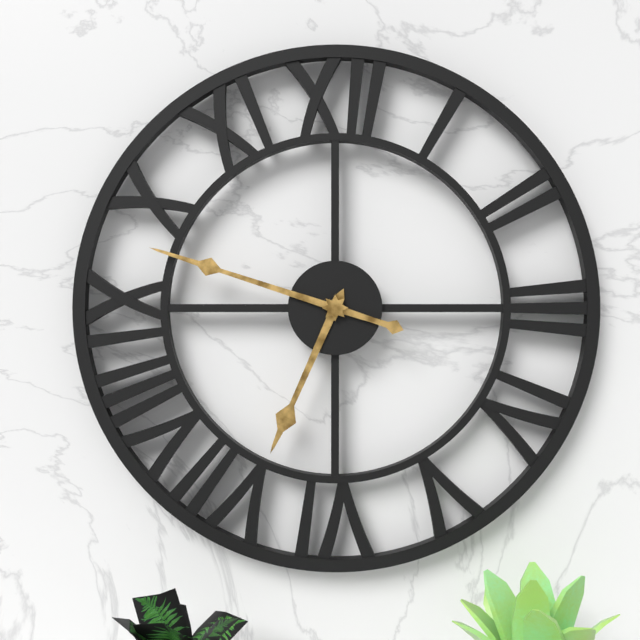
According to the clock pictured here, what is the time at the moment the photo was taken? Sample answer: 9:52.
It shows 6:48
